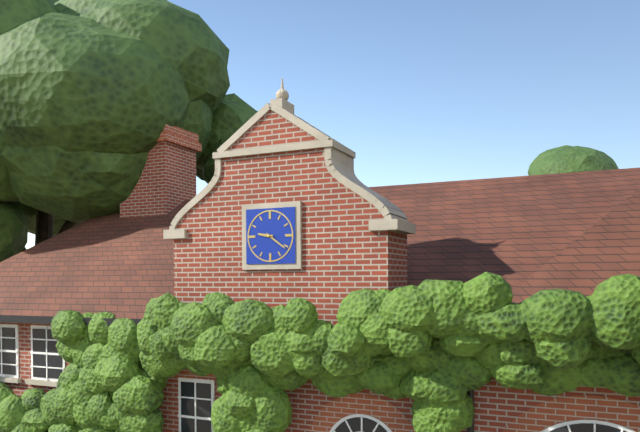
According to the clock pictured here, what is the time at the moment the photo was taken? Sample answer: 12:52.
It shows 9:21
